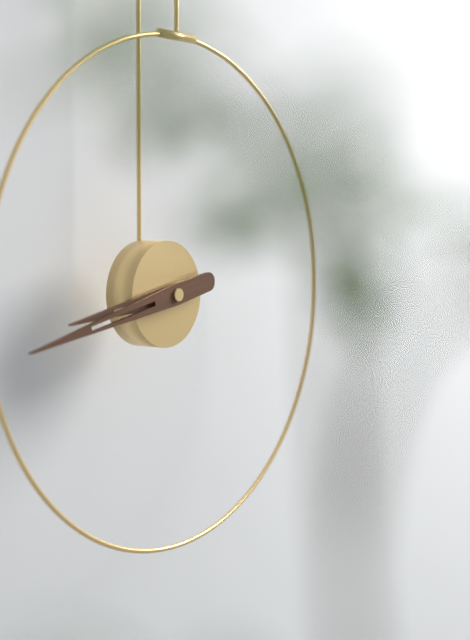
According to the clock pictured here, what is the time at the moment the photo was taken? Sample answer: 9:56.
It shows 8:43
